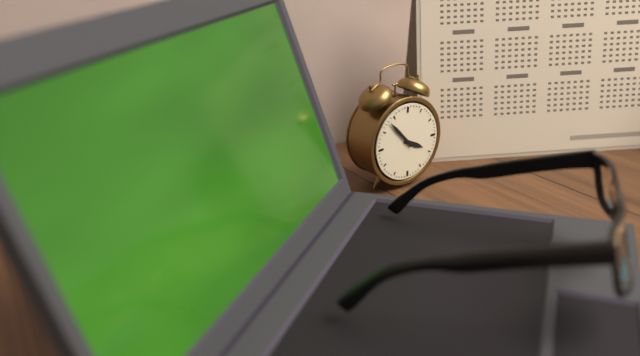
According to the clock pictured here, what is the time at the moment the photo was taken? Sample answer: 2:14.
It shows 3:53
